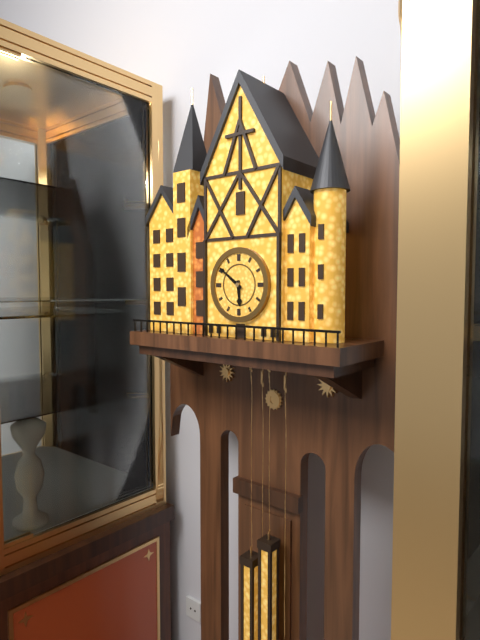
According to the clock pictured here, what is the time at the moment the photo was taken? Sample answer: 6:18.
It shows 5:51
